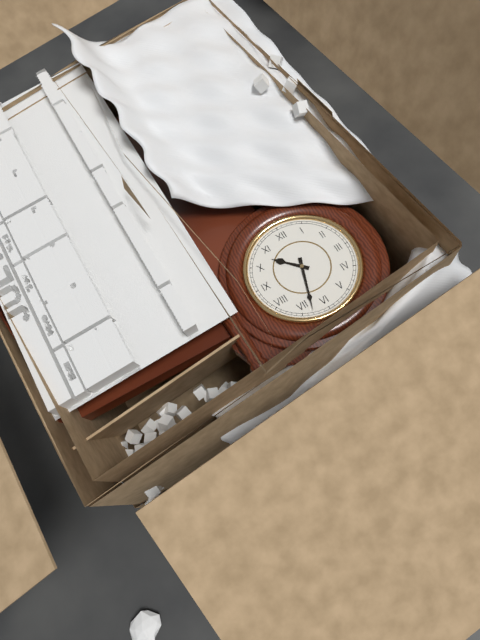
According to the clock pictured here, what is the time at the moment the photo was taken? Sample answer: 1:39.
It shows 10:33
